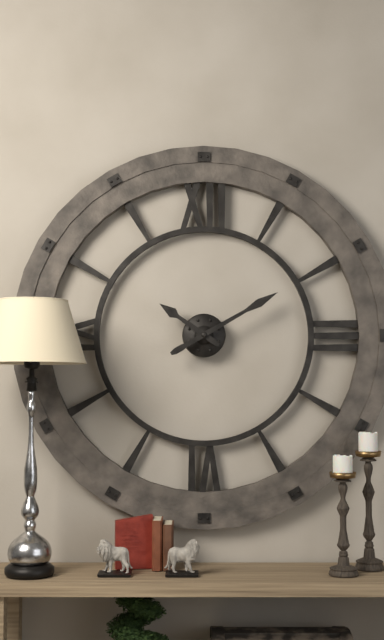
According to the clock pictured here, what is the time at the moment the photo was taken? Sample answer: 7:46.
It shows 10:10
